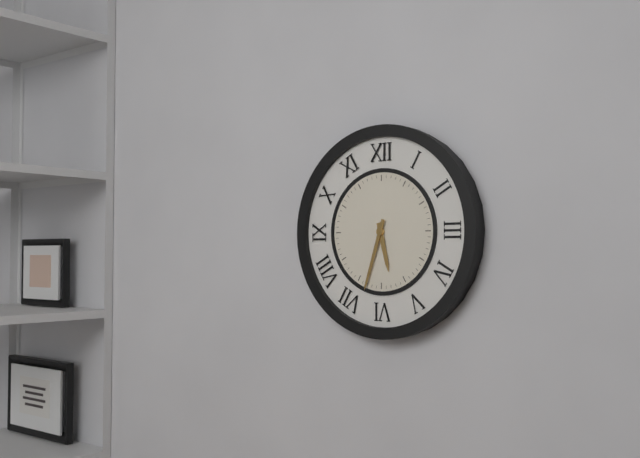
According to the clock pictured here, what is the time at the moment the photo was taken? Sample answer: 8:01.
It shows 5:33
